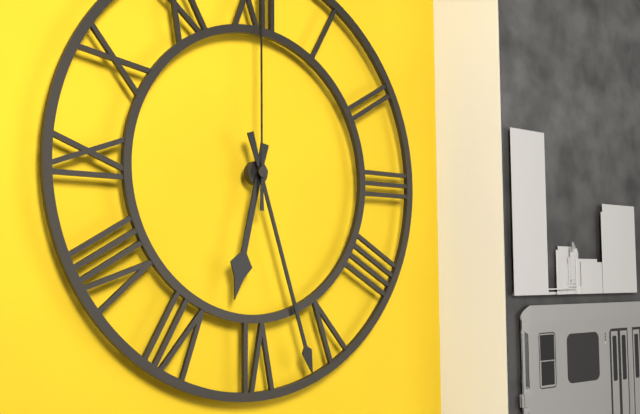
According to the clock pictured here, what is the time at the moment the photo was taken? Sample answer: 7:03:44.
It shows 6:27:00
